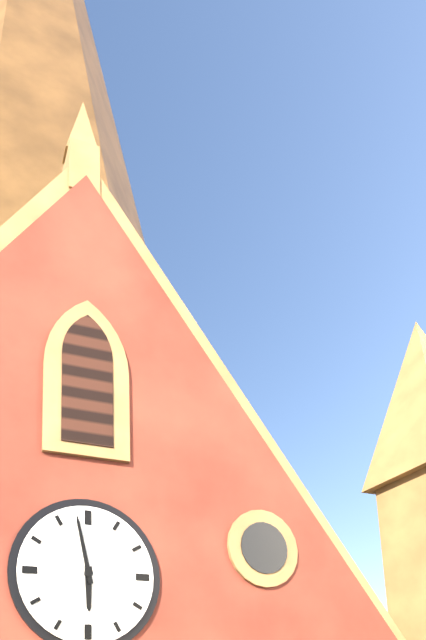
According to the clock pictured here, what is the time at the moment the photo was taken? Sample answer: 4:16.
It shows 5:58
